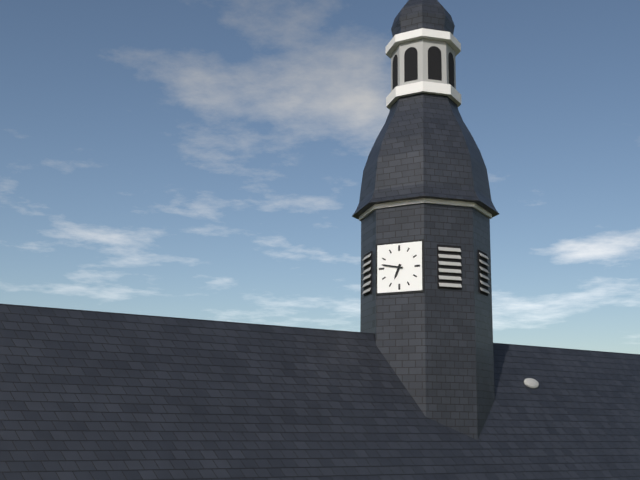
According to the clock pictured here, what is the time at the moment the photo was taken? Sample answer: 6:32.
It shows 6:47
